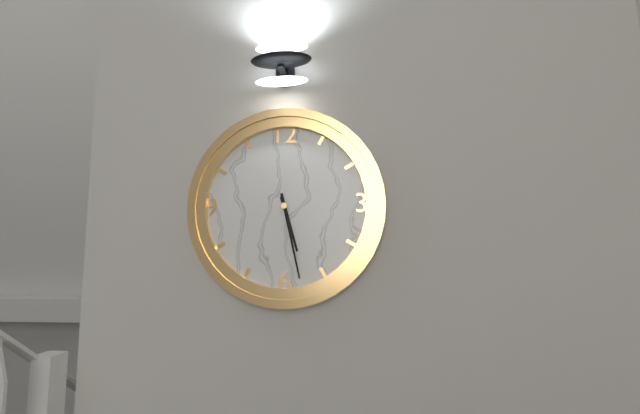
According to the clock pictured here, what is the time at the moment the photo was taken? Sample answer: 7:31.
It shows 5:28
